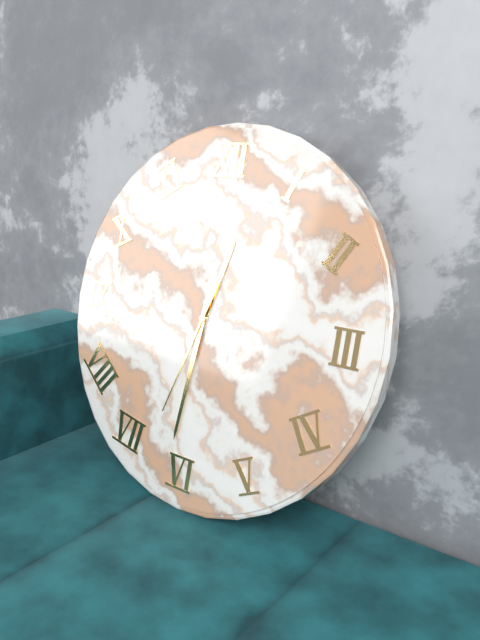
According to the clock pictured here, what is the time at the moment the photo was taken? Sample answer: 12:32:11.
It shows 12:31:33
